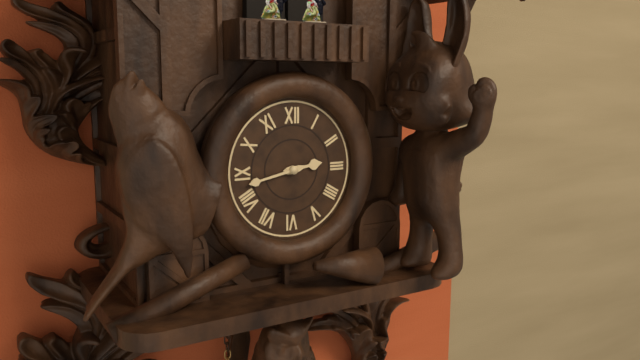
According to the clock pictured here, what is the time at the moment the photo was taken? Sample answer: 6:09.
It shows 2:43
